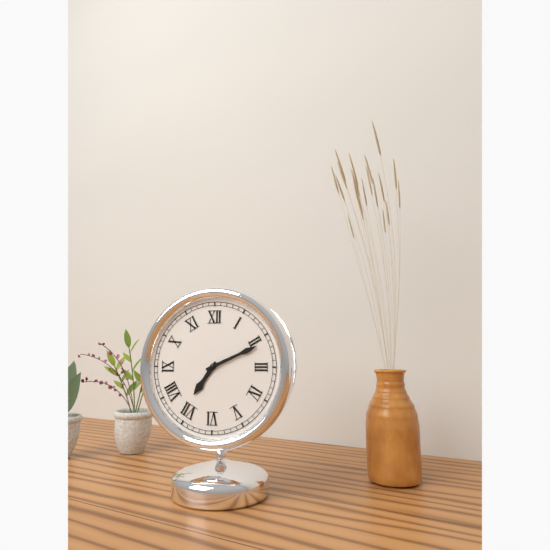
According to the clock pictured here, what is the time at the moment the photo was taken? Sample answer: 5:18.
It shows 7:11
